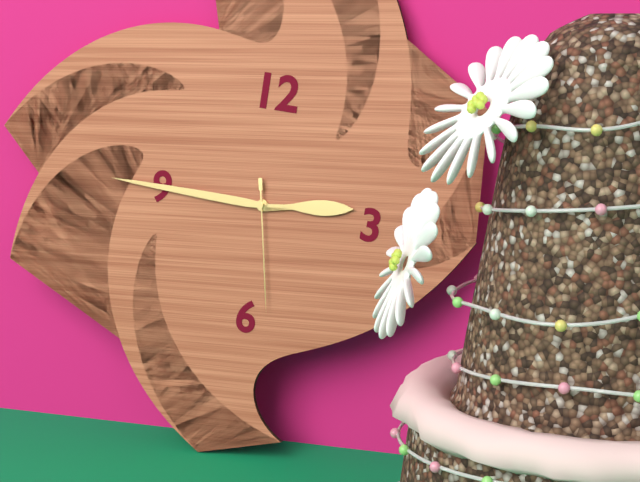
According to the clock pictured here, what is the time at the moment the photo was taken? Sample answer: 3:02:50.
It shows 2:45:28
